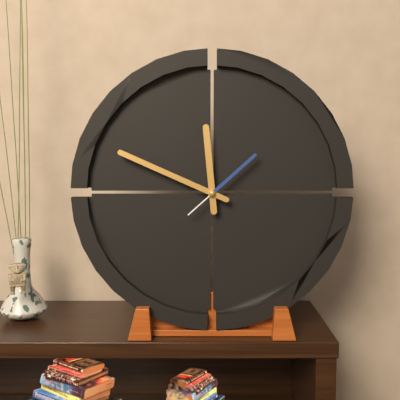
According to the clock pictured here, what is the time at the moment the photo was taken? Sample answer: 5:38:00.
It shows 11:49:08
